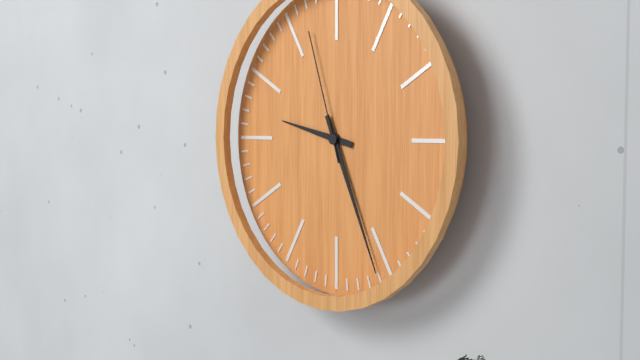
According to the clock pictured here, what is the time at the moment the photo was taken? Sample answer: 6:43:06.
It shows 9:26:57
